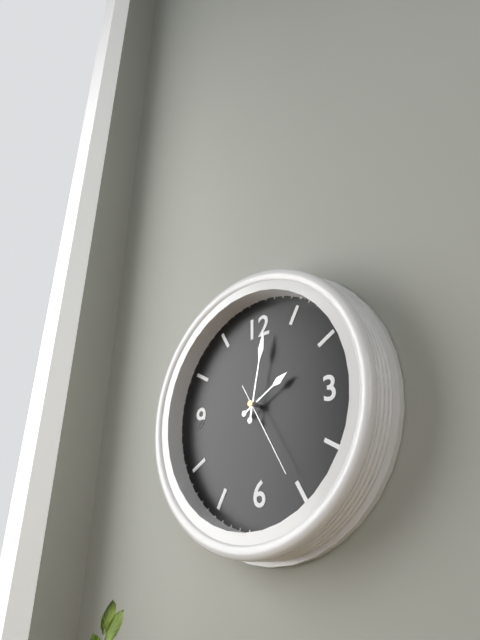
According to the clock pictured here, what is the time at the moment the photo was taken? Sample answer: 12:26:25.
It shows 2:02:25
